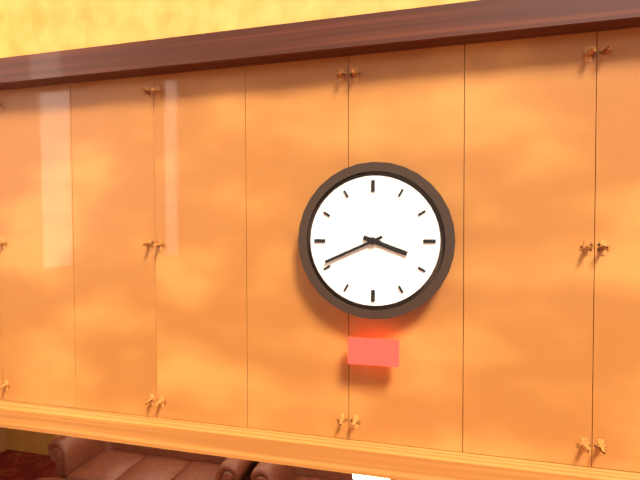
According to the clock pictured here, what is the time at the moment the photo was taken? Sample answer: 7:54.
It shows 3:41
